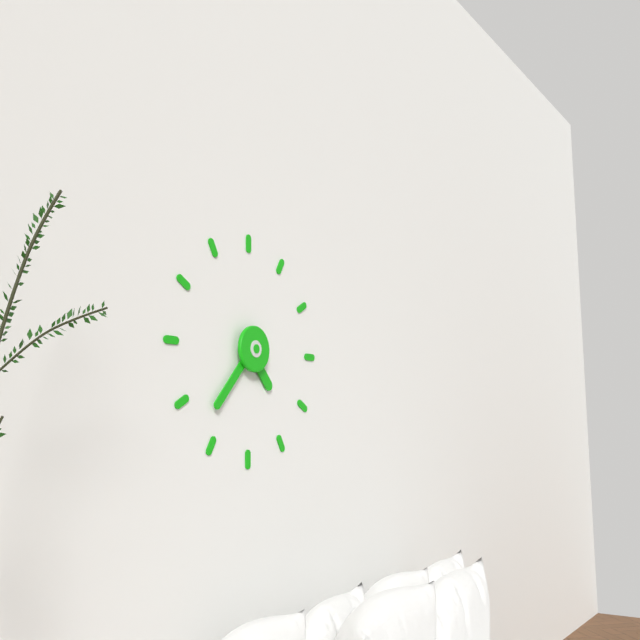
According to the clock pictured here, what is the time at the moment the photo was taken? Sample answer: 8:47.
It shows 4:37
